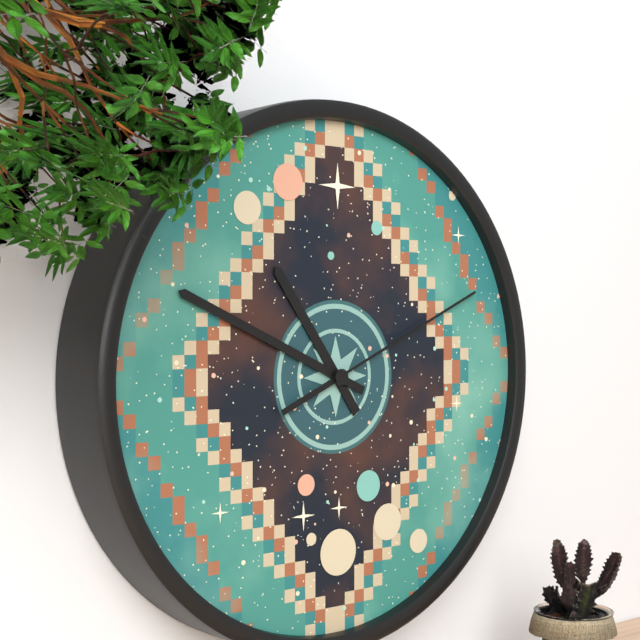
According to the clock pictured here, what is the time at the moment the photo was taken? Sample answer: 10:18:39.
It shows 10:49:11
